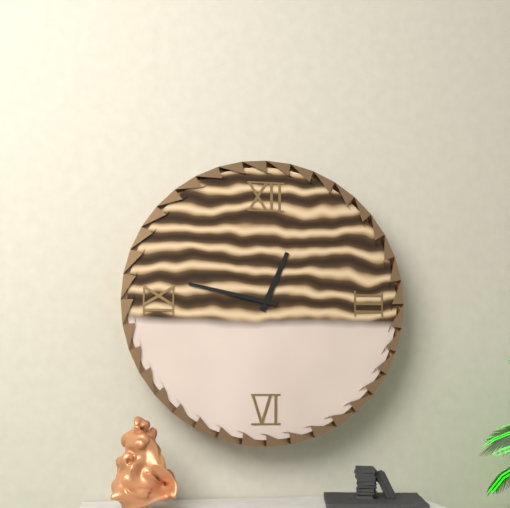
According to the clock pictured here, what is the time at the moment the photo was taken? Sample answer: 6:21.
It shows 12:47
